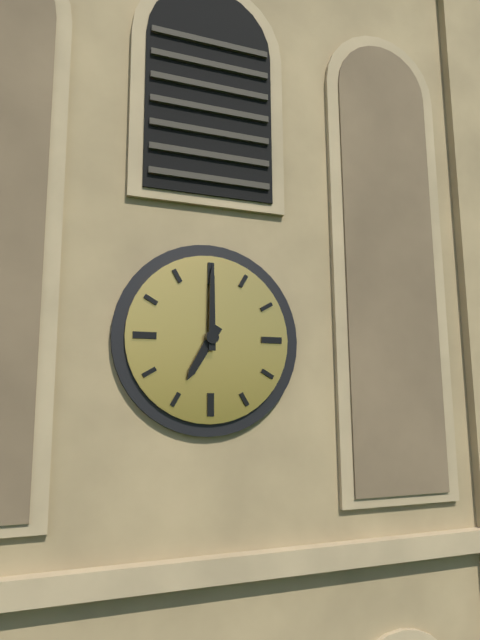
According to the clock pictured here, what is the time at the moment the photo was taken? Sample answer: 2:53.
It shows 7:00
